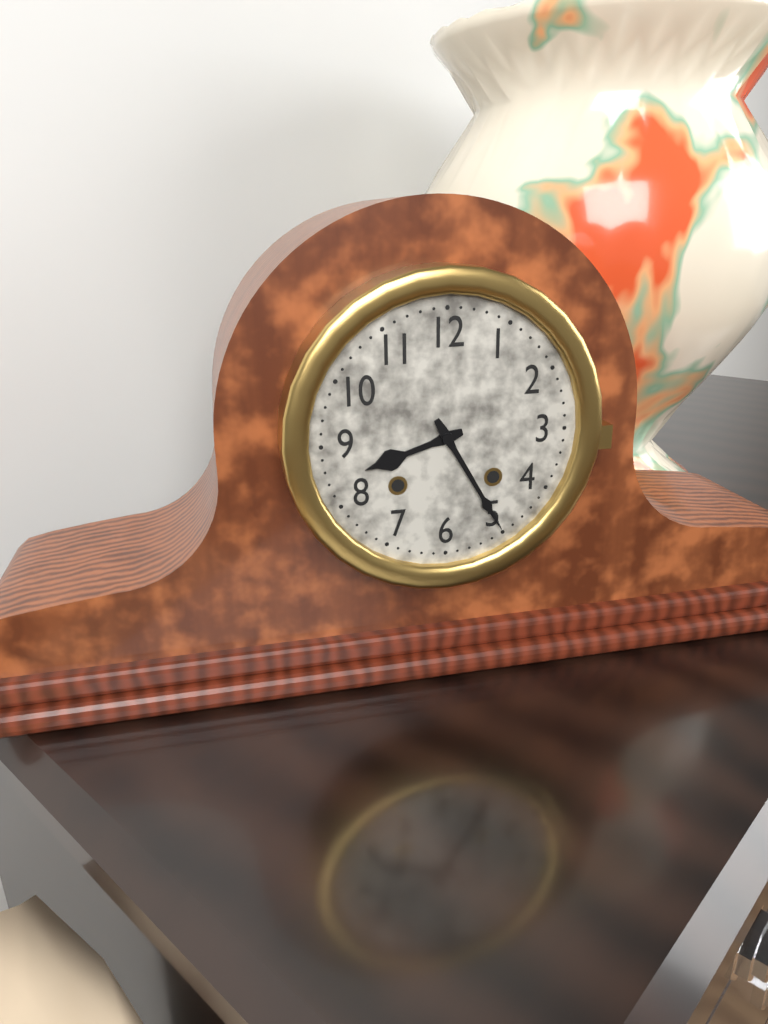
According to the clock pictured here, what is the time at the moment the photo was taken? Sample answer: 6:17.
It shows 8:25
